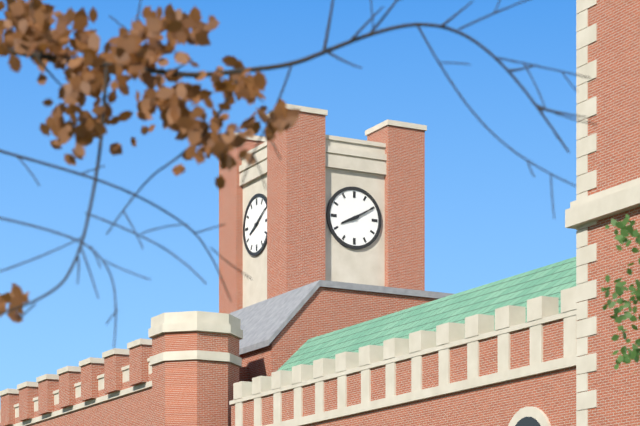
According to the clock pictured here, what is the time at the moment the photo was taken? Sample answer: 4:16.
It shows 8:10
